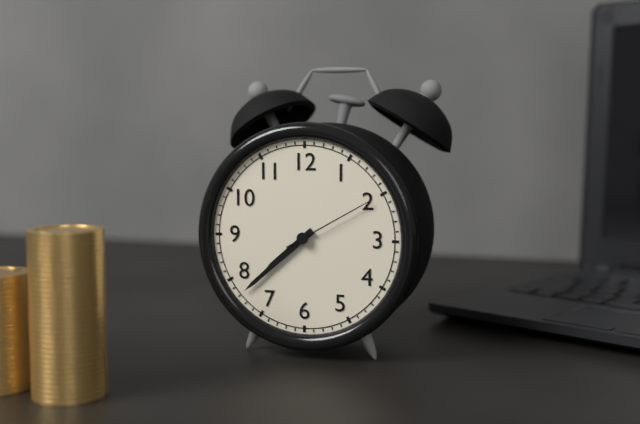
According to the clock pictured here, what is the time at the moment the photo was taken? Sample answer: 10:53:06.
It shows 7:38:10
